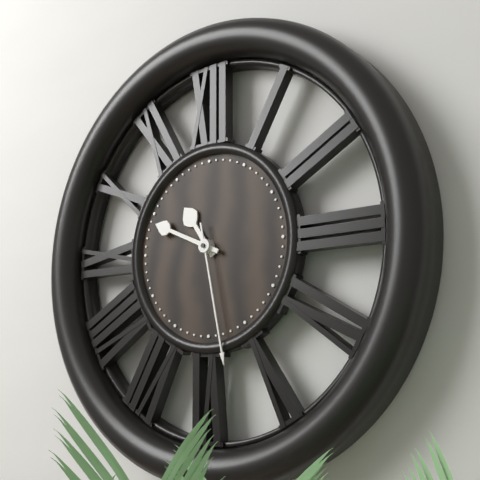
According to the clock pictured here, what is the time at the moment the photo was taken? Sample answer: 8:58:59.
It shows 10:49:28
